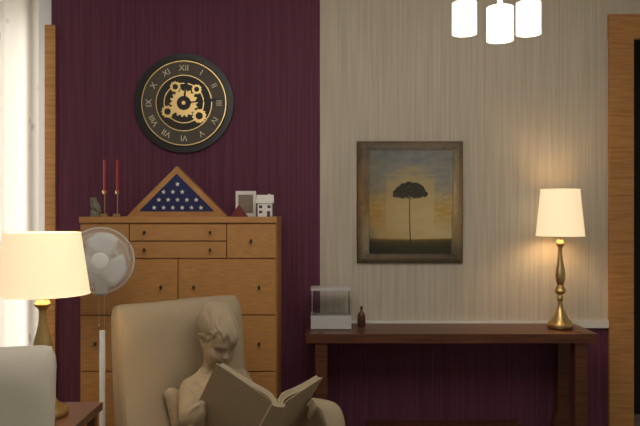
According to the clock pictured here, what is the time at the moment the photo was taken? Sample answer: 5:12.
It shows 12:14
